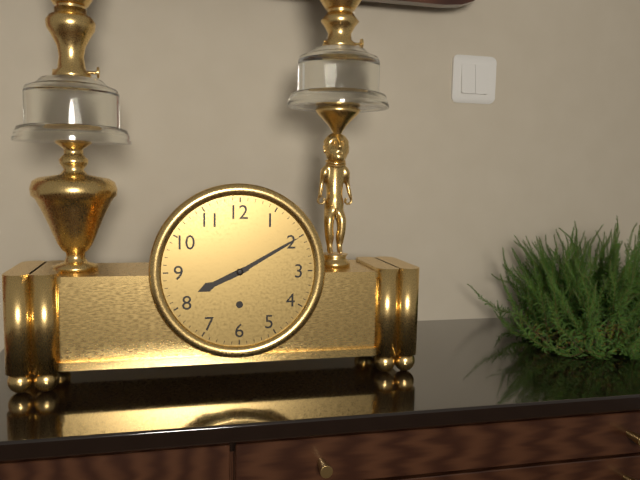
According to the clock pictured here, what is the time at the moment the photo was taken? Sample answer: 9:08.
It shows 8:10
